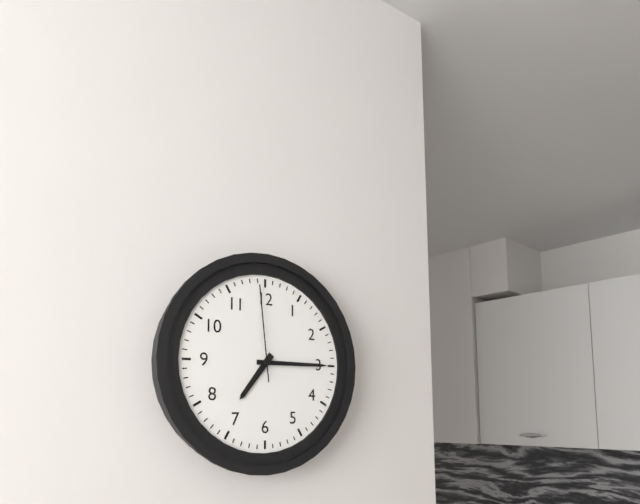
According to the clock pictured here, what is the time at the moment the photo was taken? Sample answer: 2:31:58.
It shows 7:15:59
